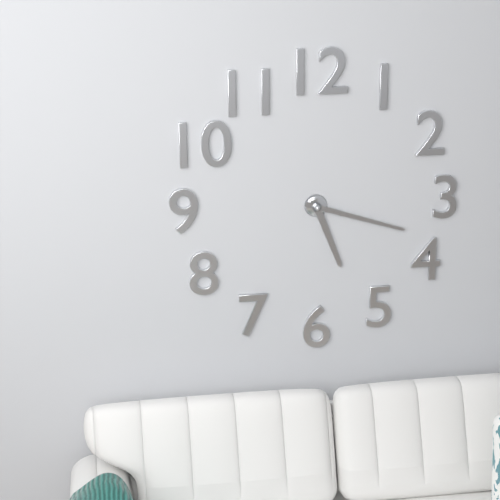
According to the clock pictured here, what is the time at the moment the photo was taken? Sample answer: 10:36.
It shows 5:18
